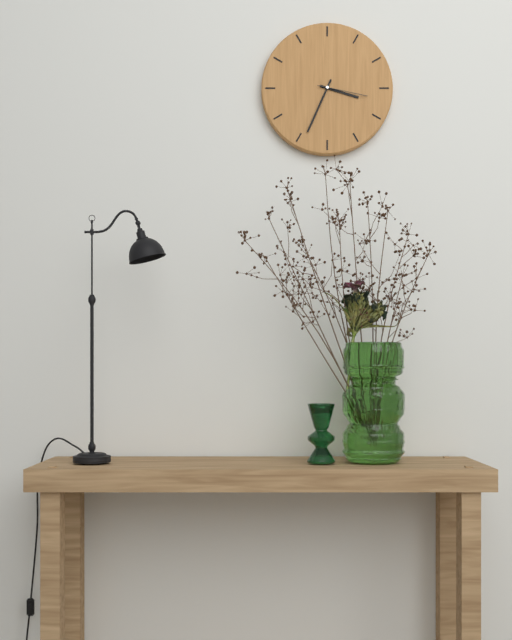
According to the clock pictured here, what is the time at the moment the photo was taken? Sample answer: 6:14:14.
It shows 3:34:17
